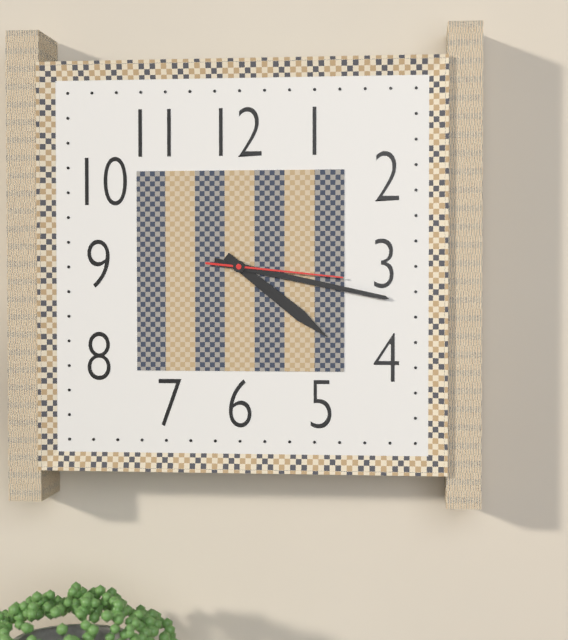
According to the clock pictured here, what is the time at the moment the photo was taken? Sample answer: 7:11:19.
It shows 4:17:16
